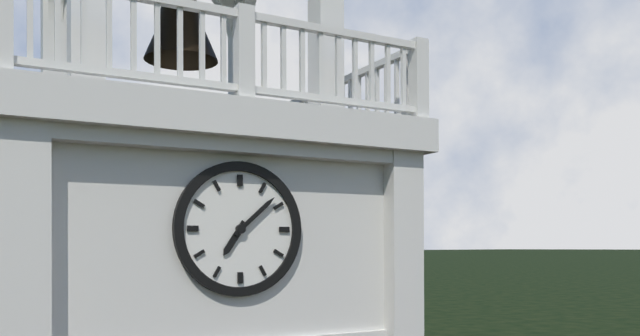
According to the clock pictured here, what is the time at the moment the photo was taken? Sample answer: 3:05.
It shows 7:08
